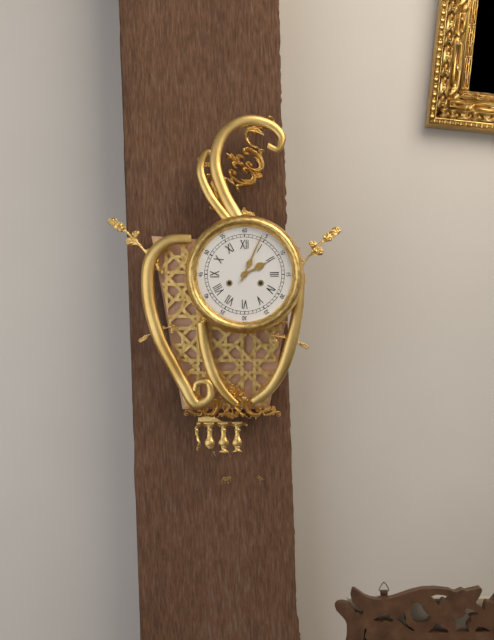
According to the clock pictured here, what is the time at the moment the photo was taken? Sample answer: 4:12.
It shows 2:04
